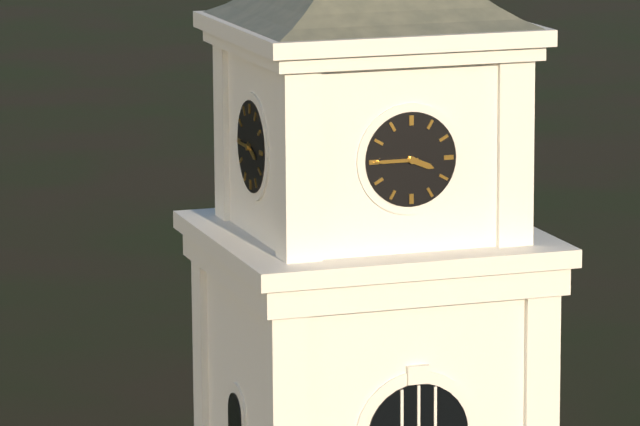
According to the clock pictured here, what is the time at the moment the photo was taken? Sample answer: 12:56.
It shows 3:45
